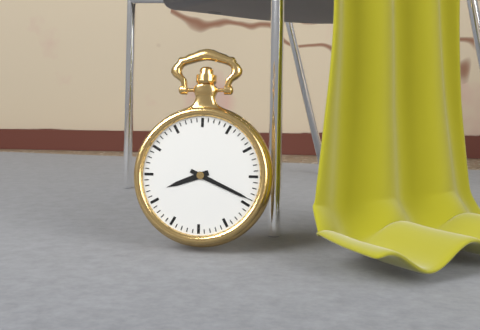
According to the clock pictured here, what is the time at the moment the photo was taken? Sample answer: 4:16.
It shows 8:19
